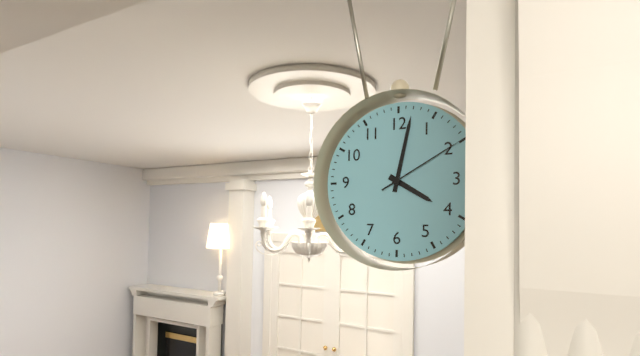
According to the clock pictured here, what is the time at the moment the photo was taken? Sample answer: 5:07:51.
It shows 4:02:10
